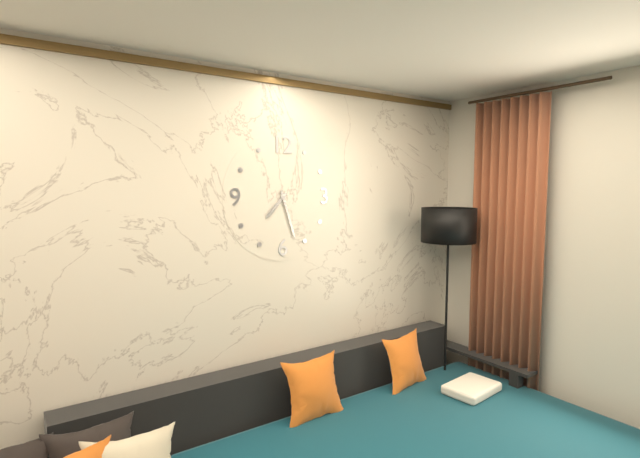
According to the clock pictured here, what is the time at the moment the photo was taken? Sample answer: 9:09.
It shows 7:27
